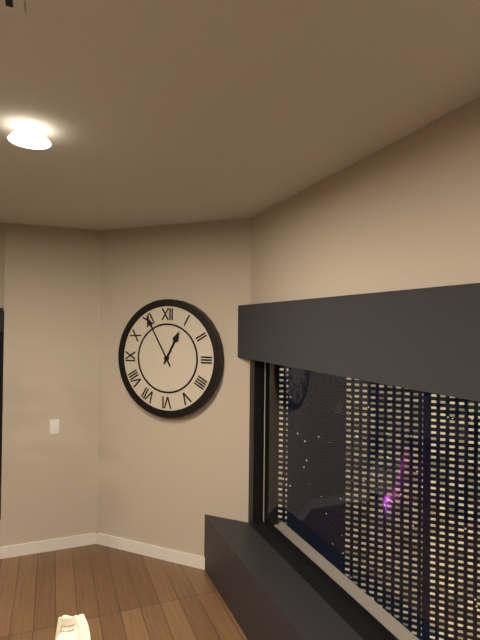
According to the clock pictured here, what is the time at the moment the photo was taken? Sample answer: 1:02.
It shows 12:55
